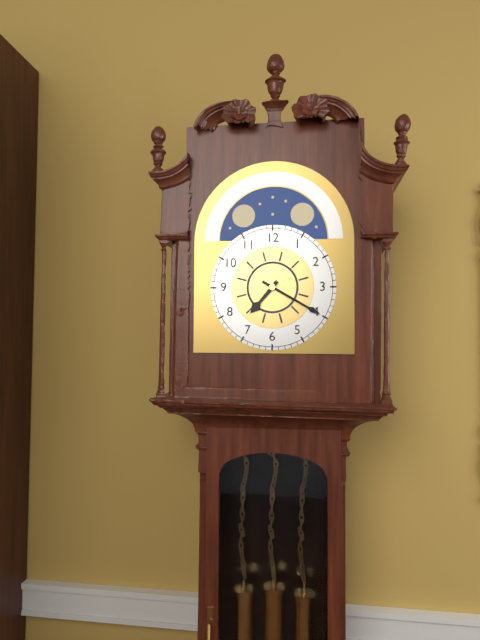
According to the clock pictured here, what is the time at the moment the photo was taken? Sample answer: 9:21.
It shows 7:20
